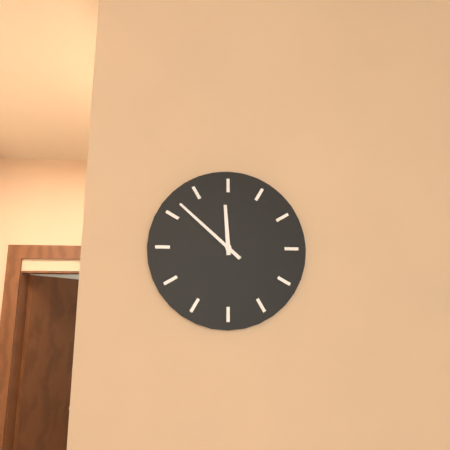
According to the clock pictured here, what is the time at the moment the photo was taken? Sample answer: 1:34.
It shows 11:52
